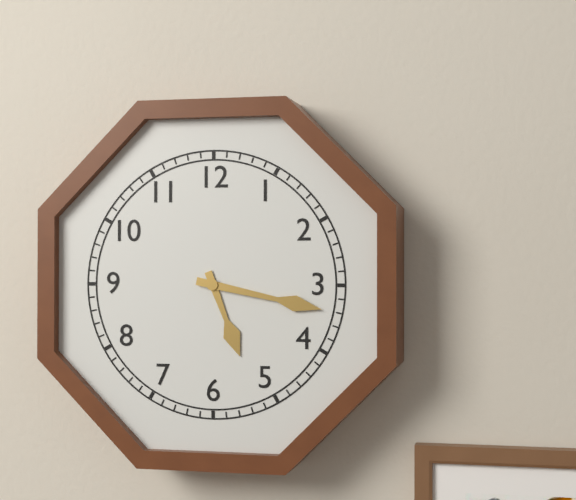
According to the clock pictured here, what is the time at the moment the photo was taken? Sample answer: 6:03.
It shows 5:17
